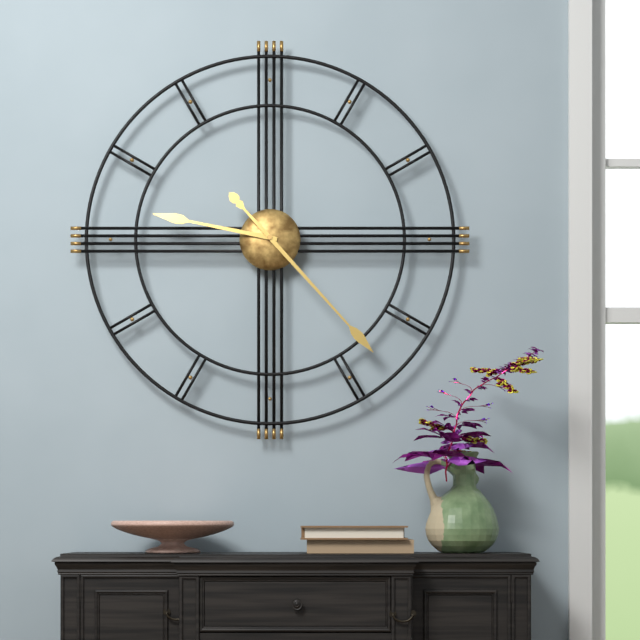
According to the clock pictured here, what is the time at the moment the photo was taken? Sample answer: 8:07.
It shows 9:23
